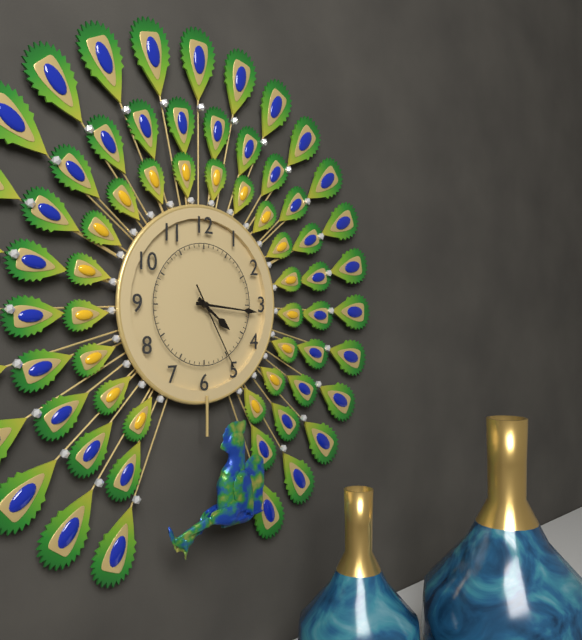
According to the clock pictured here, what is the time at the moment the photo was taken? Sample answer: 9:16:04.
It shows 4:16:25
